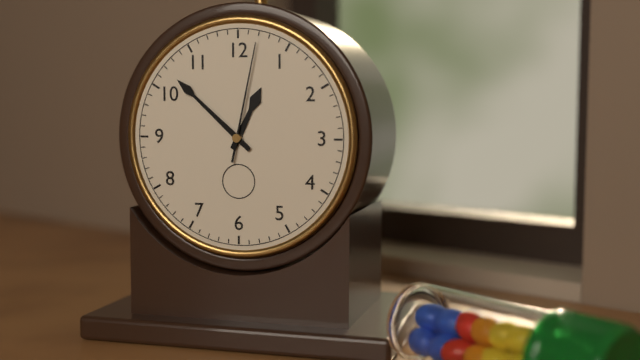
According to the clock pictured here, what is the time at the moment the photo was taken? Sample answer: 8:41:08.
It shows 12:52:02
